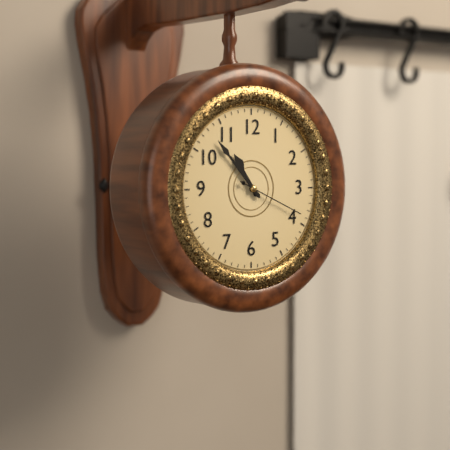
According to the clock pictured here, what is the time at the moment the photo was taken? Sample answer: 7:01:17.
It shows 10:53:19
